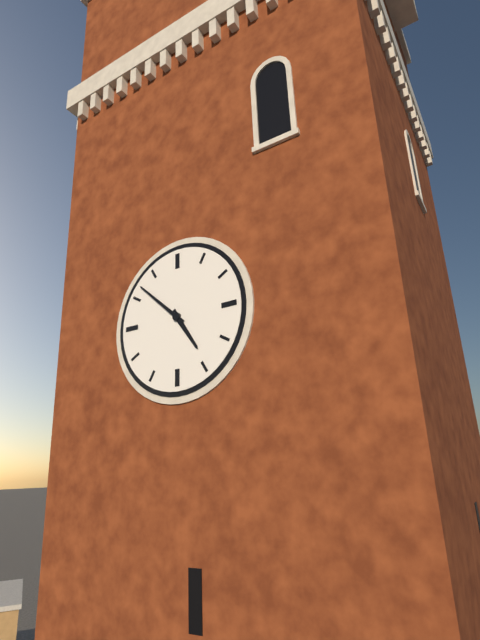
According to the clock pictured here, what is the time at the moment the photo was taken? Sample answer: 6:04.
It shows 4:52
